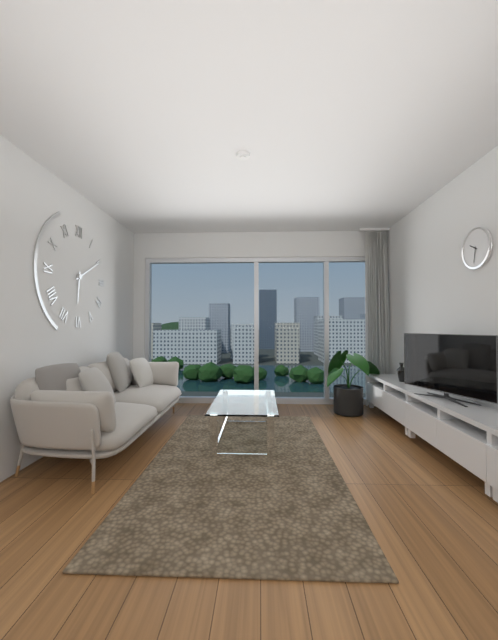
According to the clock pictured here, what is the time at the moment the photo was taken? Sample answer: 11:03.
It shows 6:10
